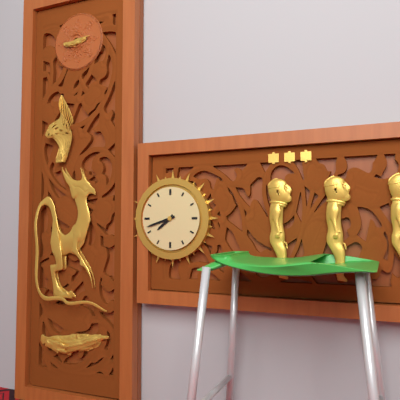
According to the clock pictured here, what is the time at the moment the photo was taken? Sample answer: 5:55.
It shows 7:42
